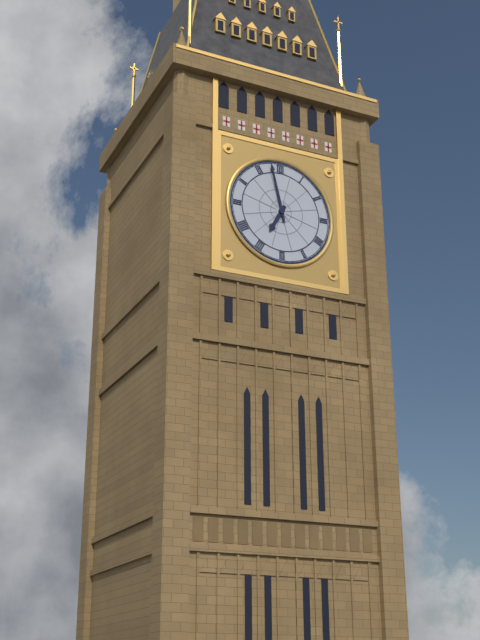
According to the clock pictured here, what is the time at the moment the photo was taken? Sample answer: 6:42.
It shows 6:58
